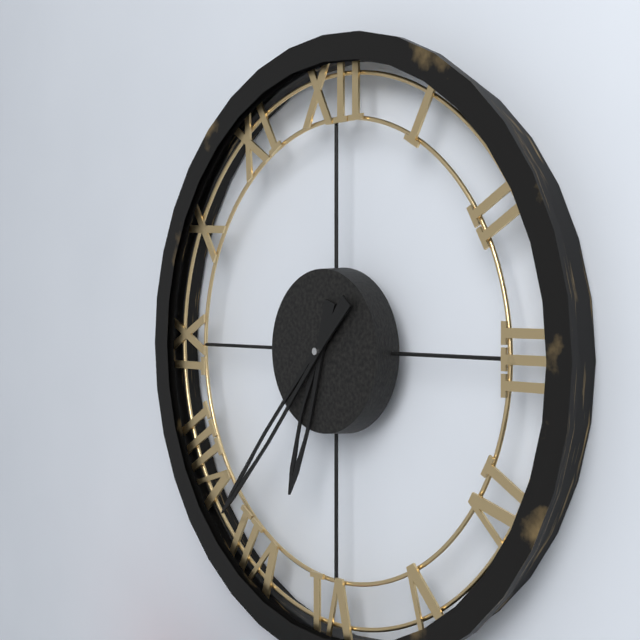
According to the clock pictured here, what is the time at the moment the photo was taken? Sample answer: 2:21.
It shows 6:37
